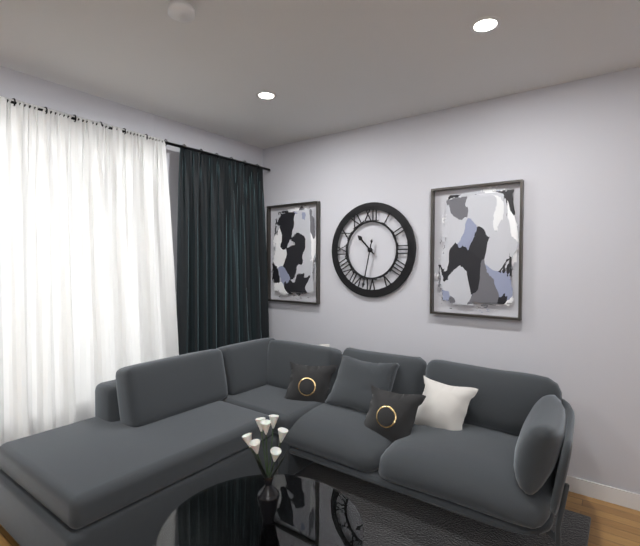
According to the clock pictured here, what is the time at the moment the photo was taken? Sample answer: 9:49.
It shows 10:32
